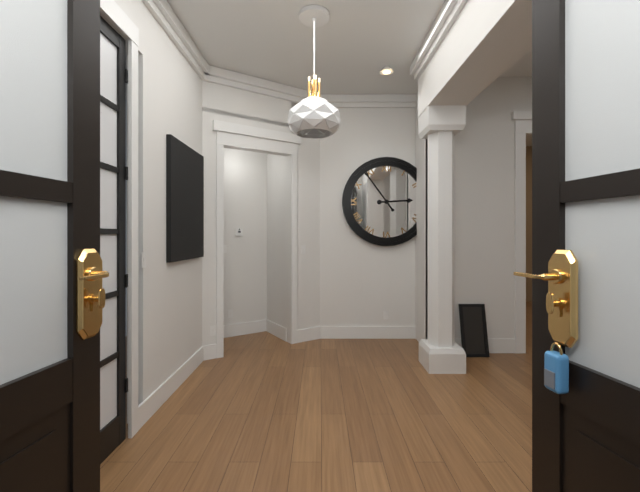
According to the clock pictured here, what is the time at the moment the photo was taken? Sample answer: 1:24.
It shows 2:54
